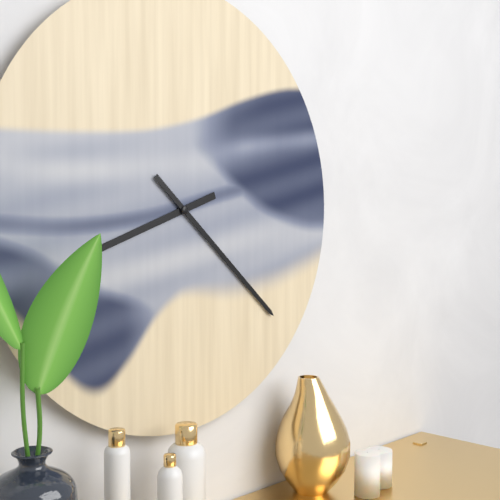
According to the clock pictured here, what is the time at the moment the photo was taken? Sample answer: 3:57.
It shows 8:22
